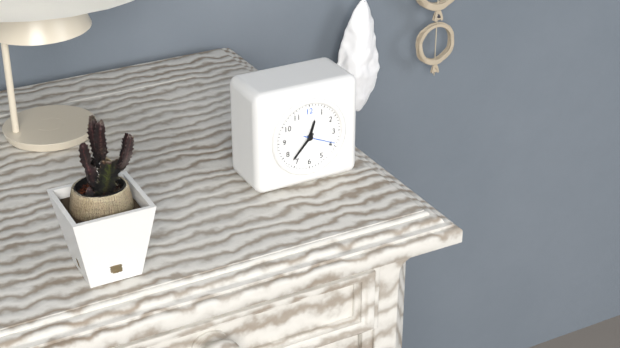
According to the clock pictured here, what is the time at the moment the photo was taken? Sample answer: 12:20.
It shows 12:37
